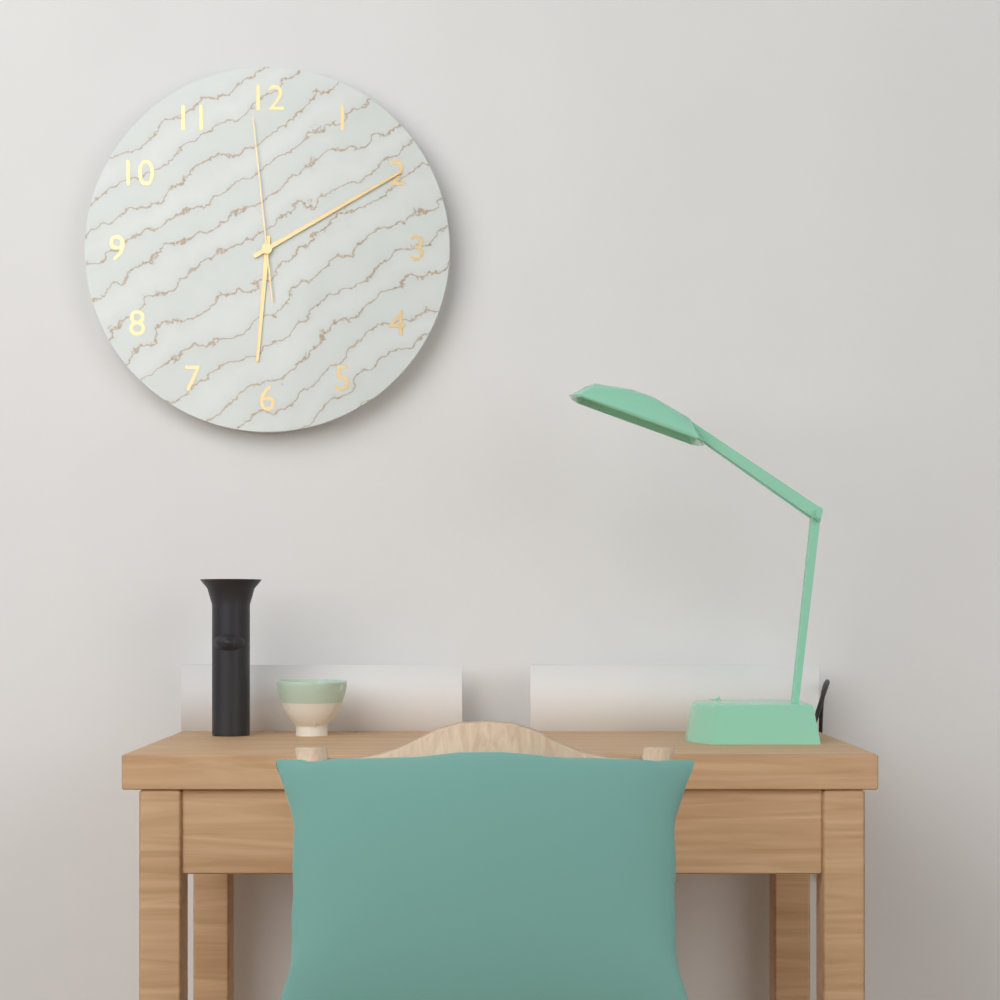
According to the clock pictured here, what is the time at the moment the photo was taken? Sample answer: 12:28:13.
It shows 6:10:59
